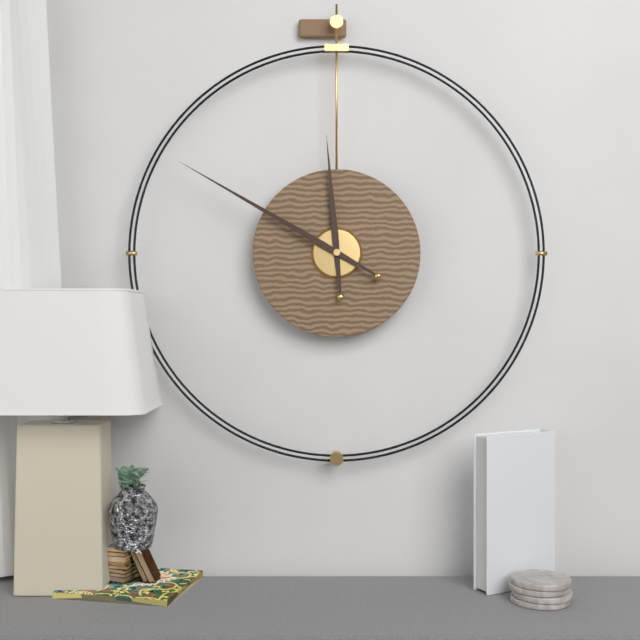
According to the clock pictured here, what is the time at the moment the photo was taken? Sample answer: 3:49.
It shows 11:50
